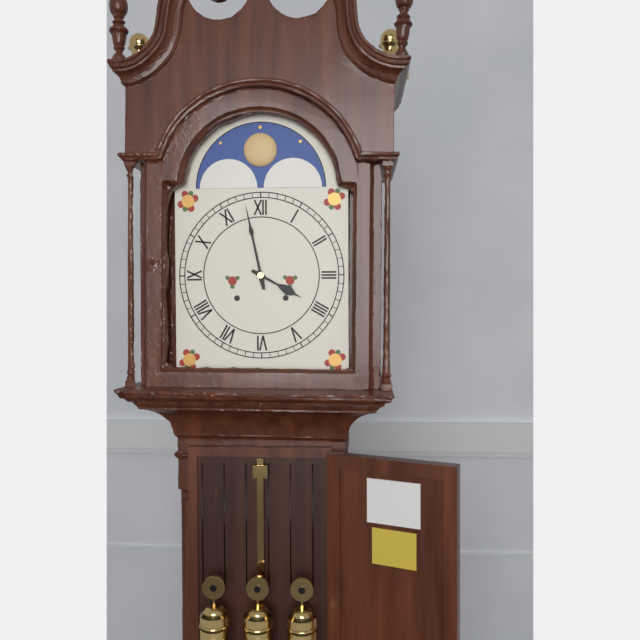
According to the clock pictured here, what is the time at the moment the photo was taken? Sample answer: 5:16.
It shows 3:58
